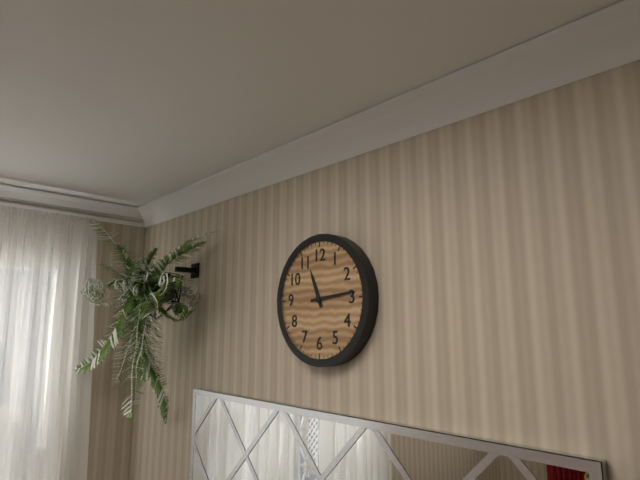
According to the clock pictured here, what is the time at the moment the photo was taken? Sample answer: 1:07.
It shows 11:14
